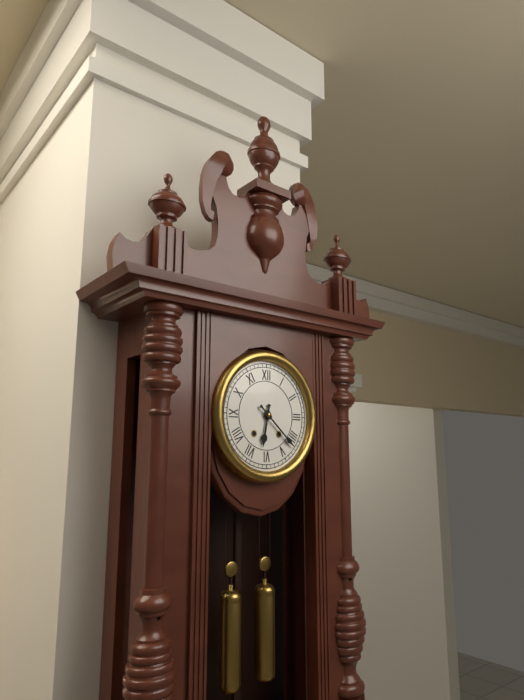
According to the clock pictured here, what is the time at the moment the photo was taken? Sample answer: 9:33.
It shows 6:22
